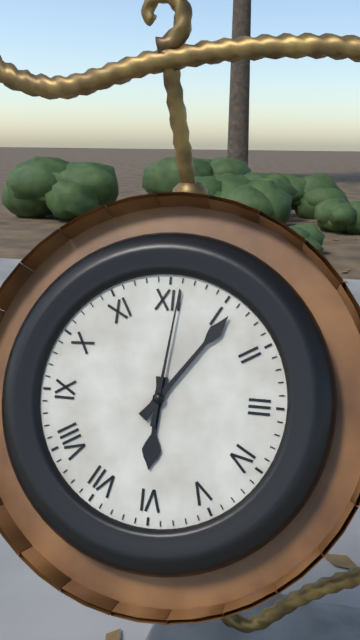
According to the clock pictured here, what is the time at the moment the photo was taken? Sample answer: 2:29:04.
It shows 6:06:01
